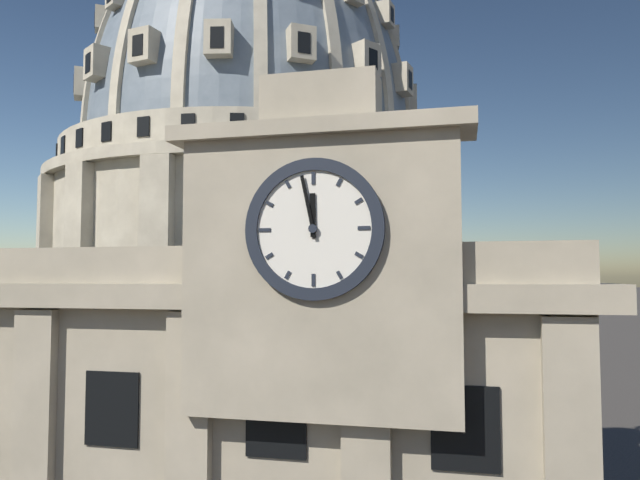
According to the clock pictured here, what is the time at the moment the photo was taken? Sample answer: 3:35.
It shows 11:58
